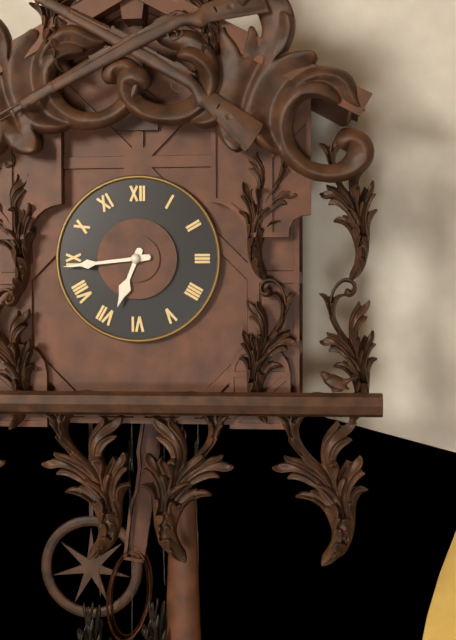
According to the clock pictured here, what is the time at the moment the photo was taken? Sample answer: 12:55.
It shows 6:44
